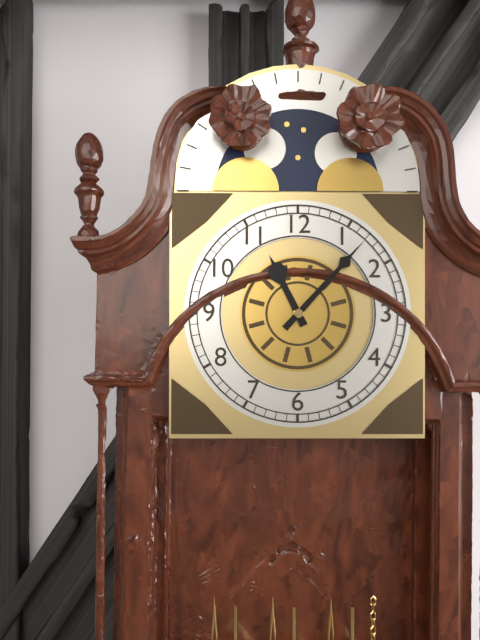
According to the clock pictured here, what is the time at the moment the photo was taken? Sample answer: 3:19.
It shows 11:07
